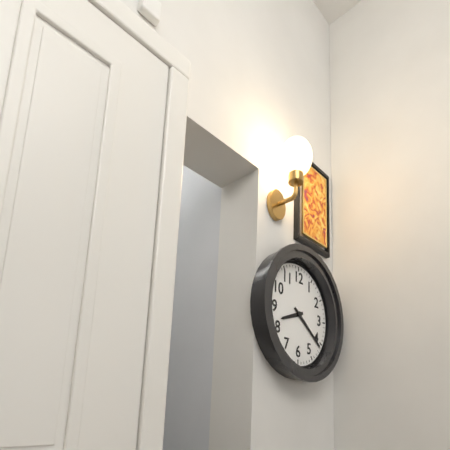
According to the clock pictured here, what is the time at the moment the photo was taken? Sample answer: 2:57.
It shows 8:21
